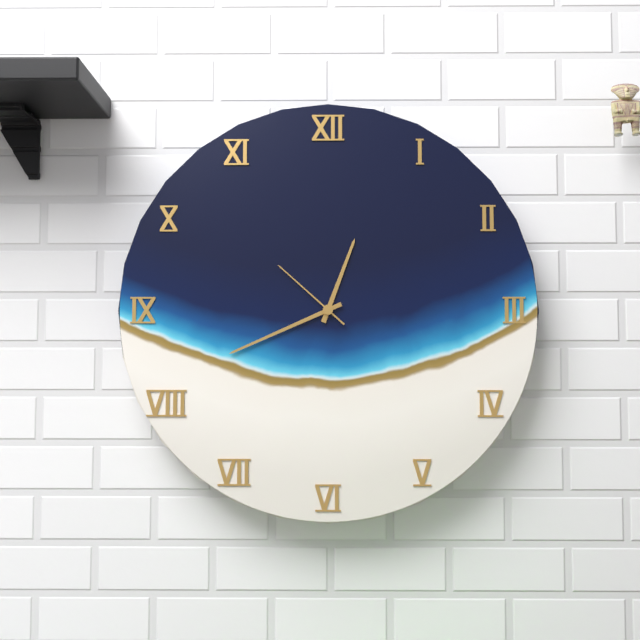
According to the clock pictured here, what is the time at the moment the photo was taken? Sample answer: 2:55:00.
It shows 12:41:52
